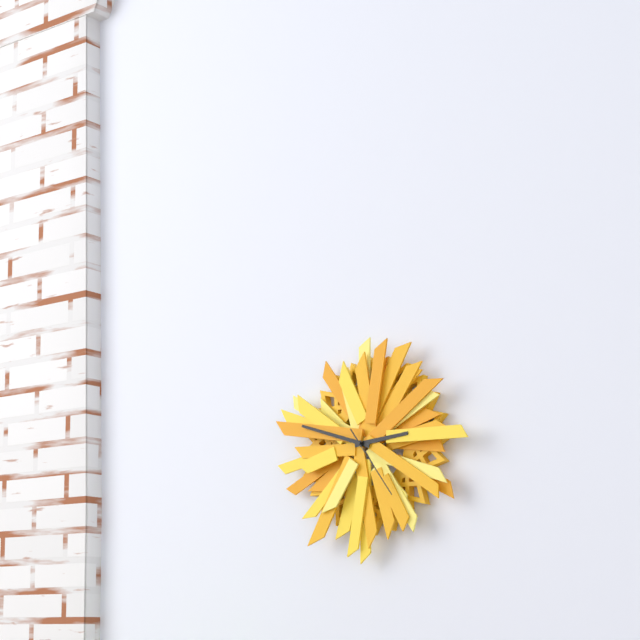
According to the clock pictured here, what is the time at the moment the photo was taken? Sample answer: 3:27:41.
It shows 2:48:24
